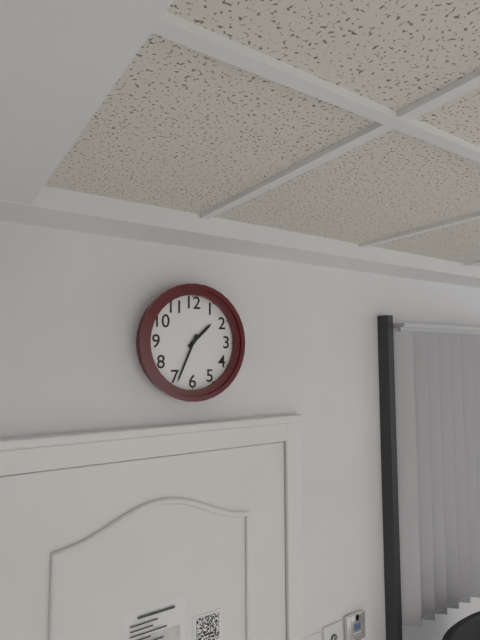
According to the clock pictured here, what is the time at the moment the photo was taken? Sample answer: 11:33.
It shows 1:34
